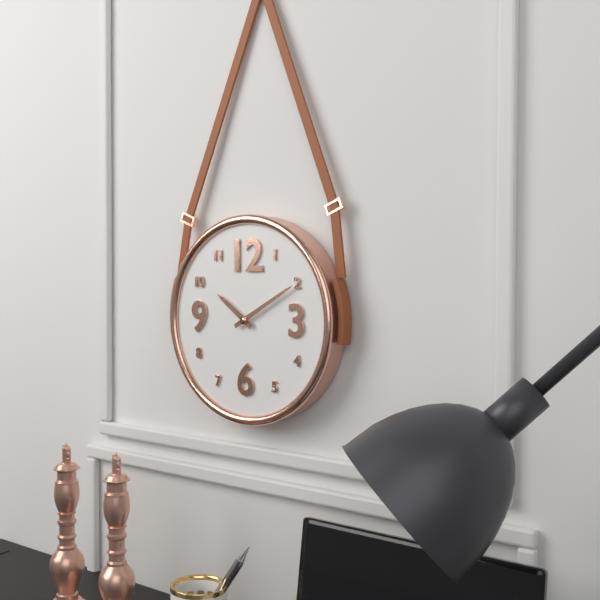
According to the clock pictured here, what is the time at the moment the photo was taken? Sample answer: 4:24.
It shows 10:10
